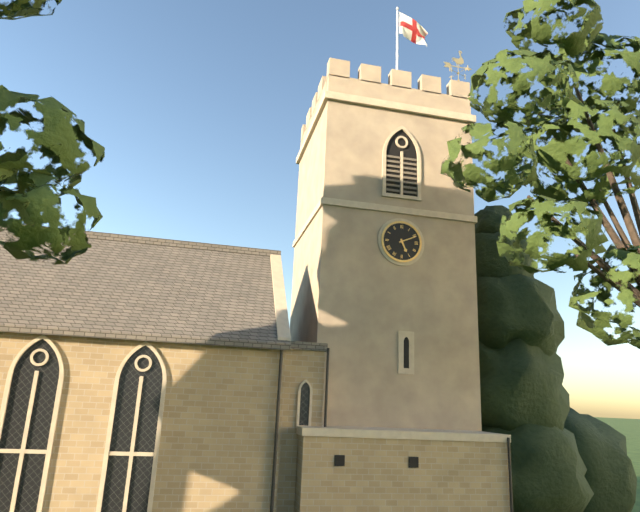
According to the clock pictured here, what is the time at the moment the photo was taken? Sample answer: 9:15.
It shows 5:11
